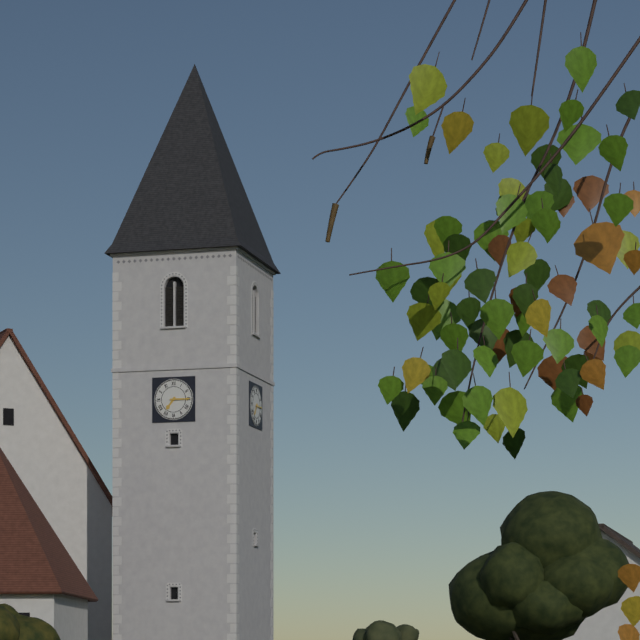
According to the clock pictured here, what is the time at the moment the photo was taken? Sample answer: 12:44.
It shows 7:15
